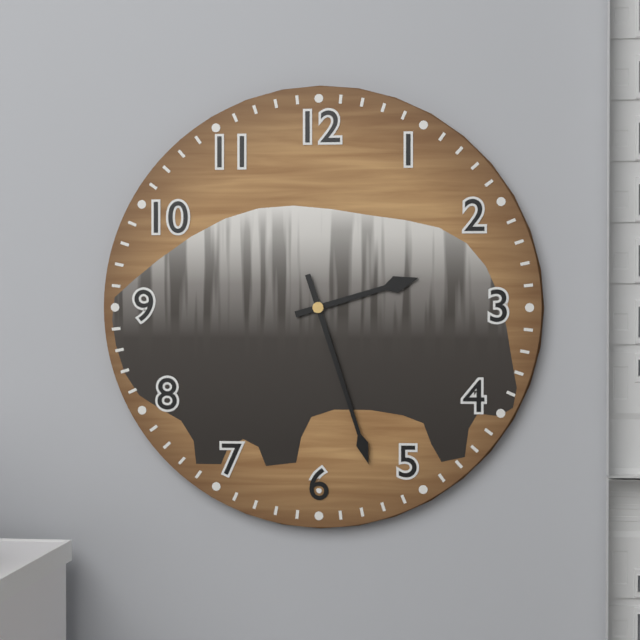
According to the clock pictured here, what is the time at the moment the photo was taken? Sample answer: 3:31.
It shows 2:27
